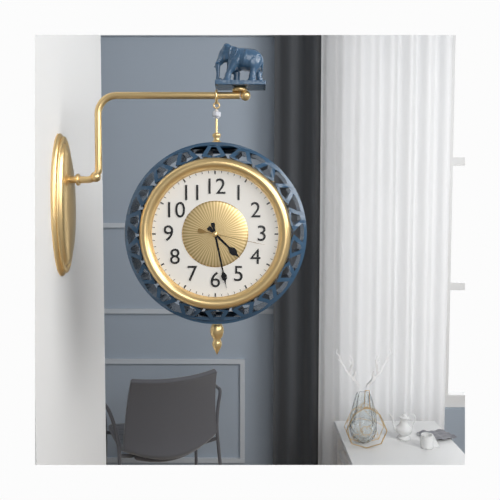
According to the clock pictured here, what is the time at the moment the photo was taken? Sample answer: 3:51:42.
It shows 4:28:17
